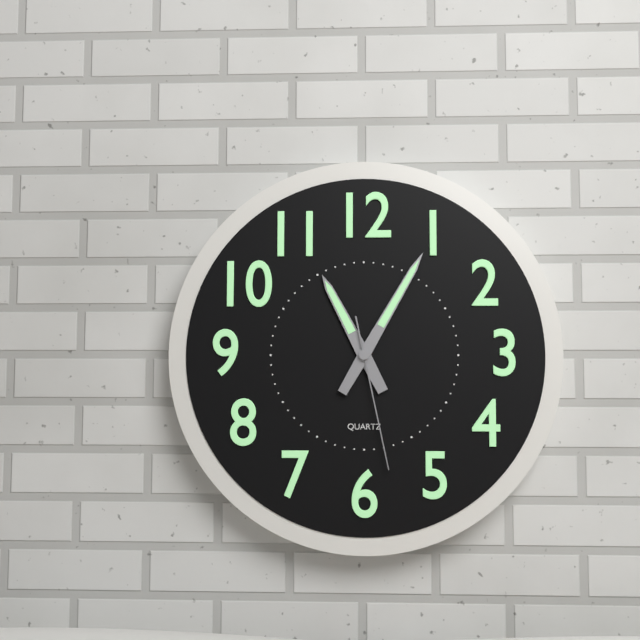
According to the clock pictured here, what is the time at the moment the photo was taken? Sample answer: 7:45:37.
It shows 11:05:28
